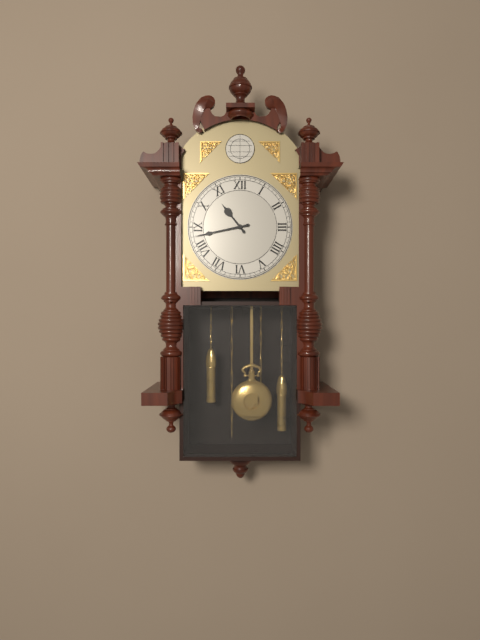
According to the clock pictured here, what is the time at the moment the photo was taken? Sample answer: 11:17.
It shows 10:43
